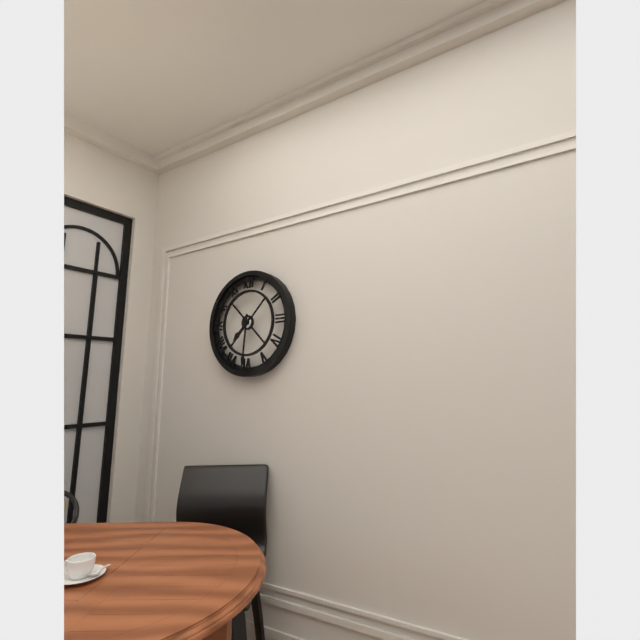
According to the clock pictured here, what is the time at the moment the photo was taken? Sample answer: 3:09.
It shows 7:31
